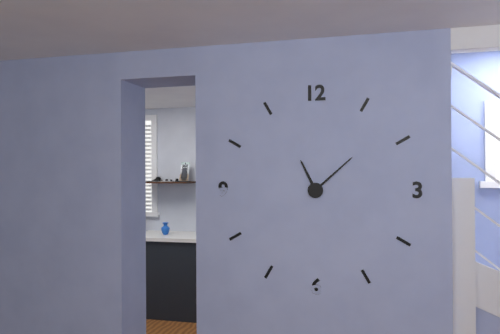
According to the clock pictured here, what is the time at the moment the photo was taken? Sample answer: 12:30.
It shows 11:08
